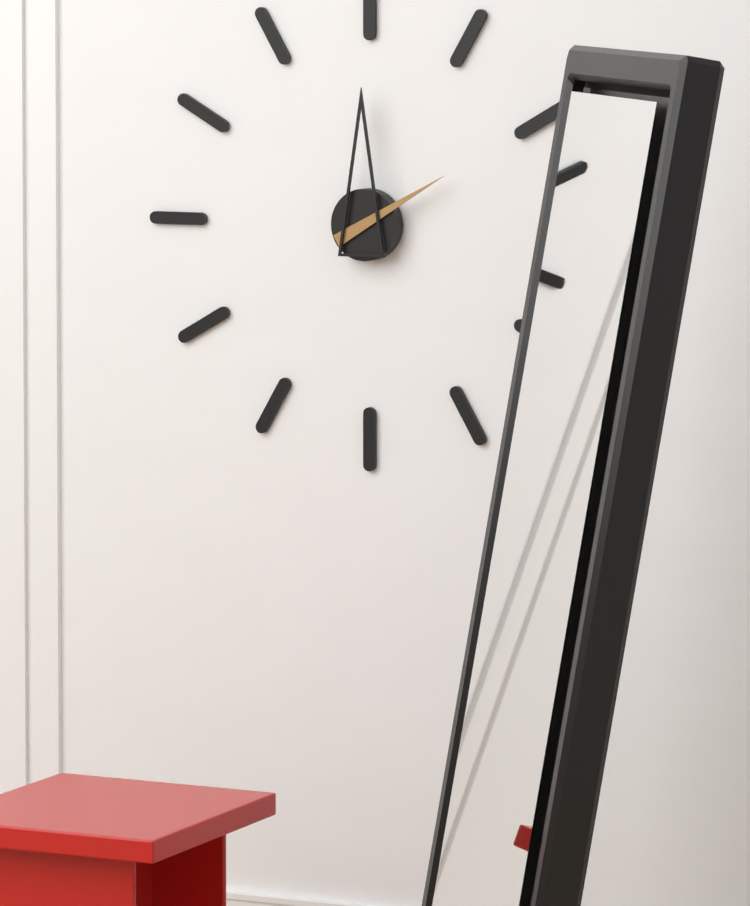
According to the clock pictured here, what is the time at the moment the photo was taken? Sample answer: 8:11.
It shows 2:00
